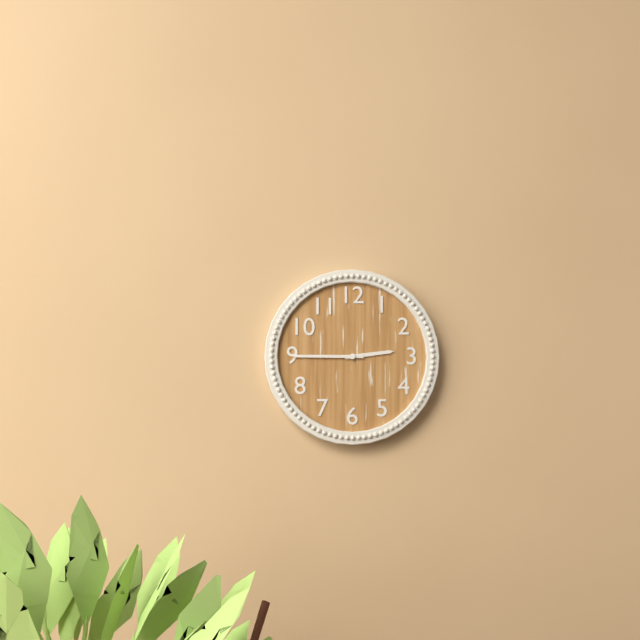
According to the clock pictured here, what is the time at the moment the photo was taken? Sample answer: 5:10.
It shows 2:45
